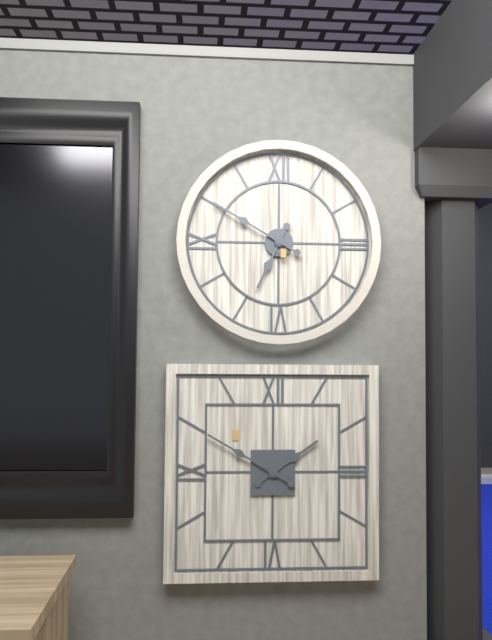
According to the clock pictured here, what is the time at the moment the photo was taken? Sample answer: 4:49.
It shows 6:50
